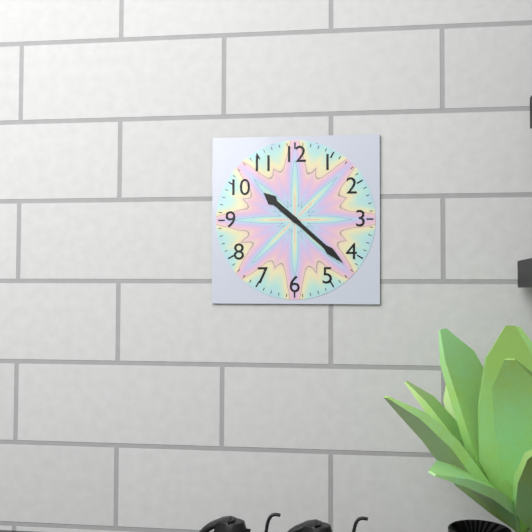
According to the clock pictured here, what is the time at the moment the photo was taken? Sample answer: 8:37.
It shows 10:22
